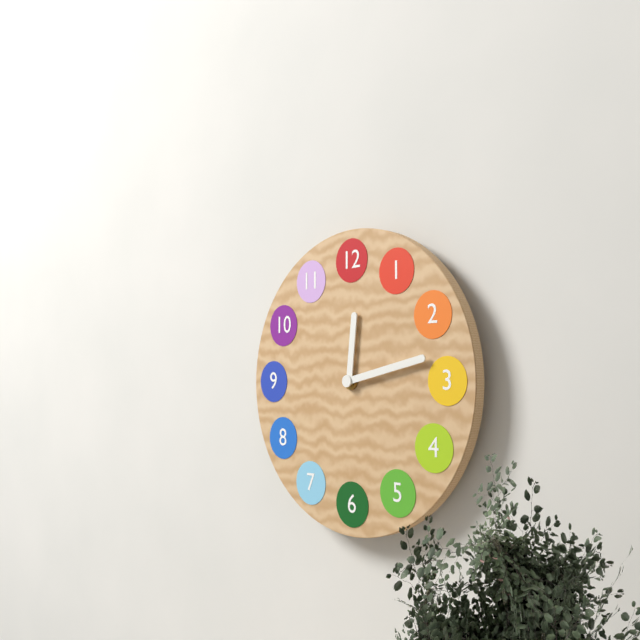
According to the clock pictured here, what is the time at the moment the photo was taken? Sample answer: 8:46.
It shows 12:13
